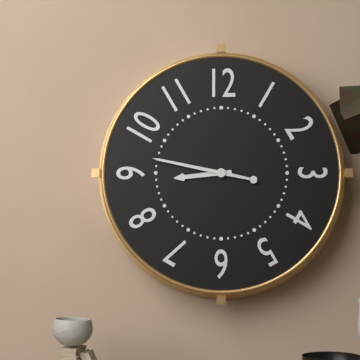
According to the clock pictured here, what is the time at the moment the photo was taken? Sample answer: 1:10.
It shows 8:47
